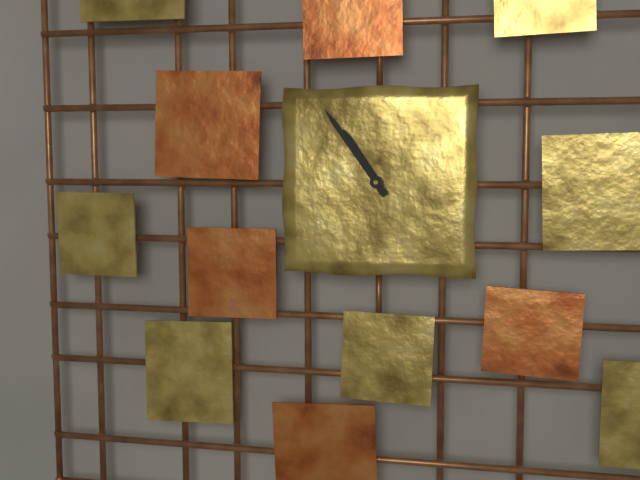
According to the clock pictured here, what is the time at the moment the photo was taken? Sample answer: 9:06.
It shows 10:54
